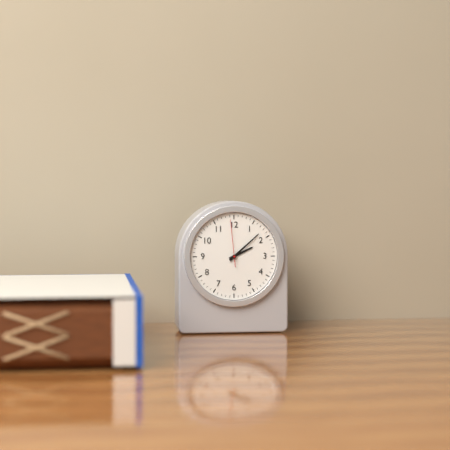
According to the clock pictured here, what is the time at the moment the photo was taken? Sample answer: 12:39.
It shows 2:08
